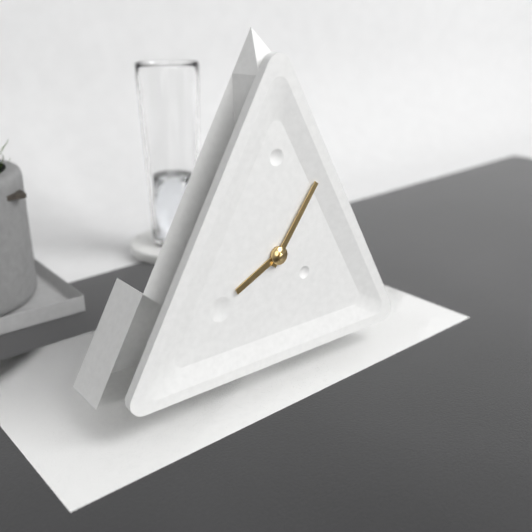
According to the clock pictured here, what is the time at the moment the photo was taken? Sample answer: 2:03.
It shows 8:06
